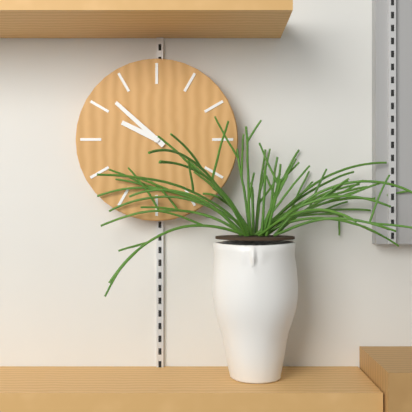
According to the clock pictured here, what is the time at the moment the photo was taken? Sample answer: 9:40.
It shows 9:52
